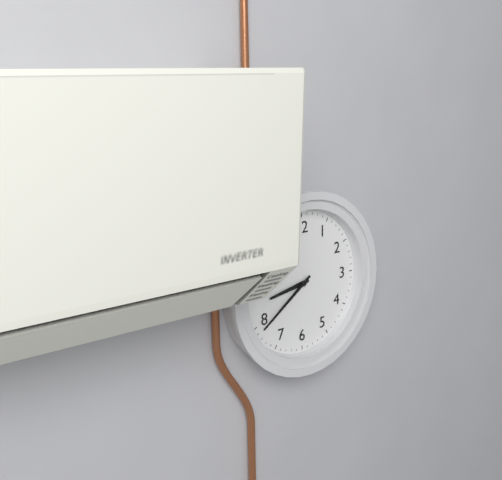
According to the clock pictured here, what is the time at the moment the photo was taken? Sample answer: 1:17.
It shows 8:39
